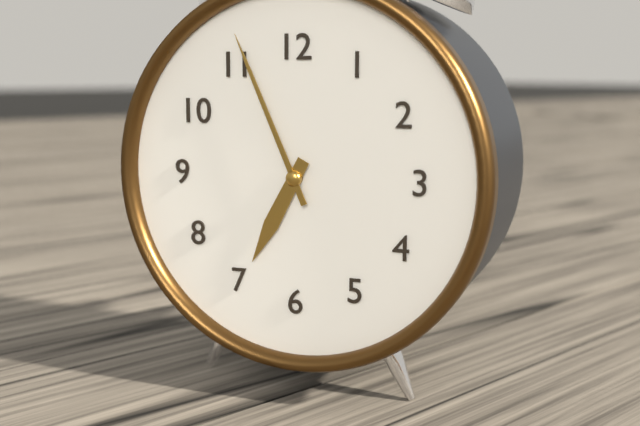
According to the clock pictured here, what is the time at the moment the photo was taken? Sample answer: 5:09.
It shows 6:56
